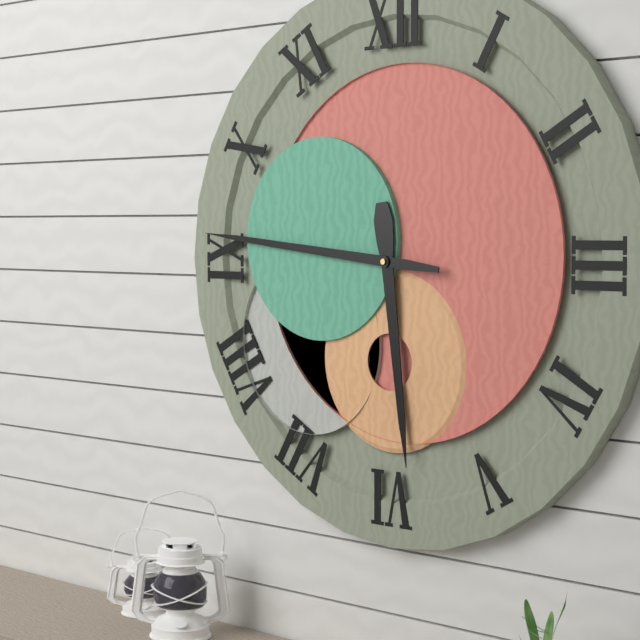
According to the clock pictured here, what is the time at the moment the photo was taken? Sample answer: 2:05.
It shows 5:46
